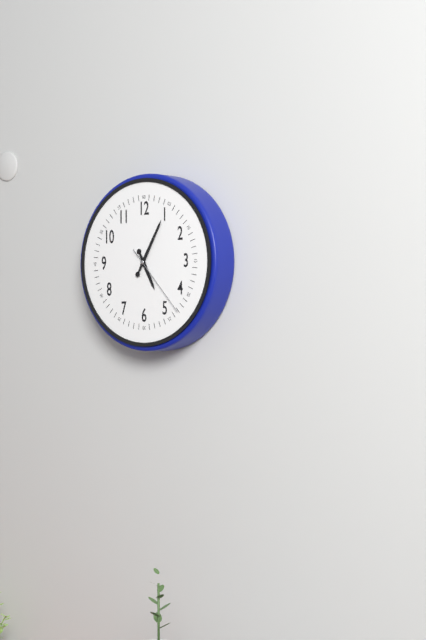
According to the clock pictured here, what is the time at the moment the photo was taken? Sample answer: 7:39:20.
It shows 5:05:23
